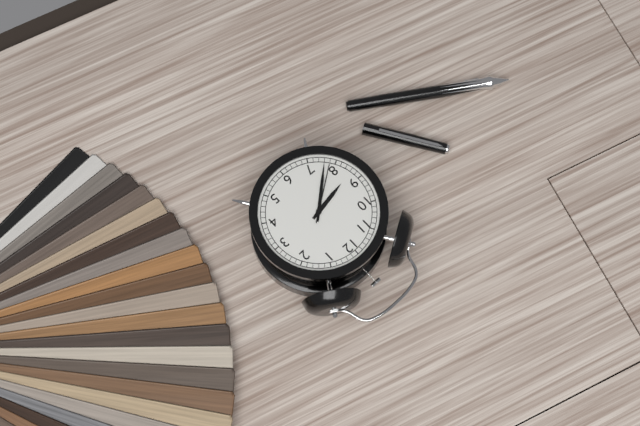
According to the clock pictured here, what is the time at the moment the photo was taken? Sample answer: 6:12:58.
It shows 8:38:39
